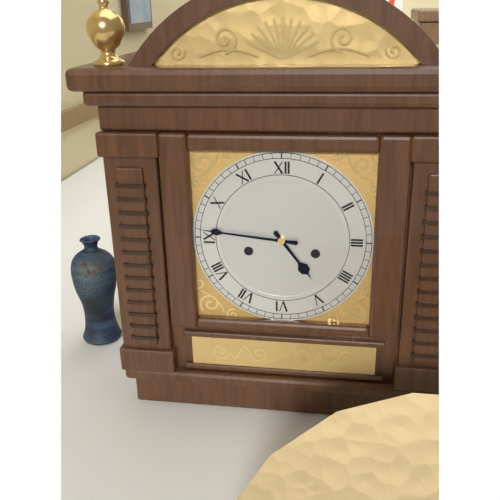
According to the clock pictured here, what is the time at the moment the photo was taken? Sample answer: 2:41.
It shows 4:46
